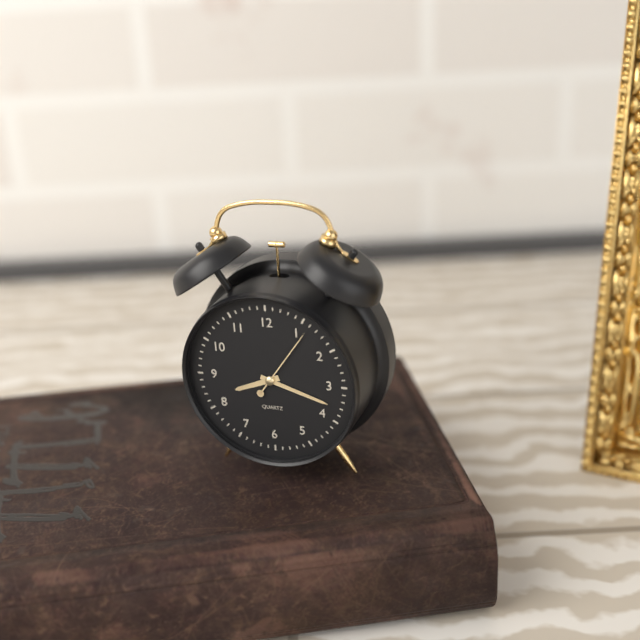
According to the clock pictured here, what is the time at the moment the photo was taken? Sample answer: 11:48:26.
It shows 8:18:06
